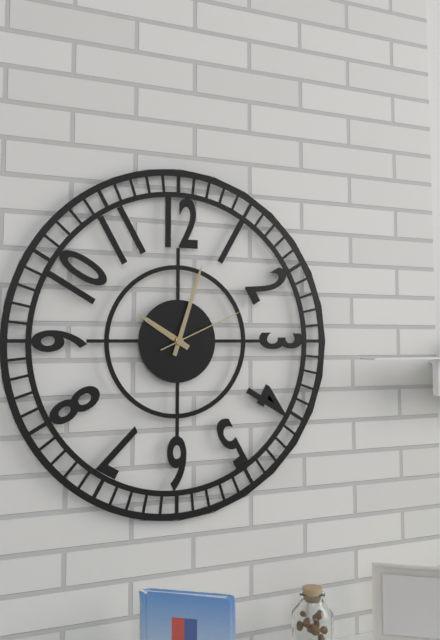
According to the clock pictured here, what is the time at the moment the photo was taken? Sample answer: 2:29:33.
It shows 10:03:11
